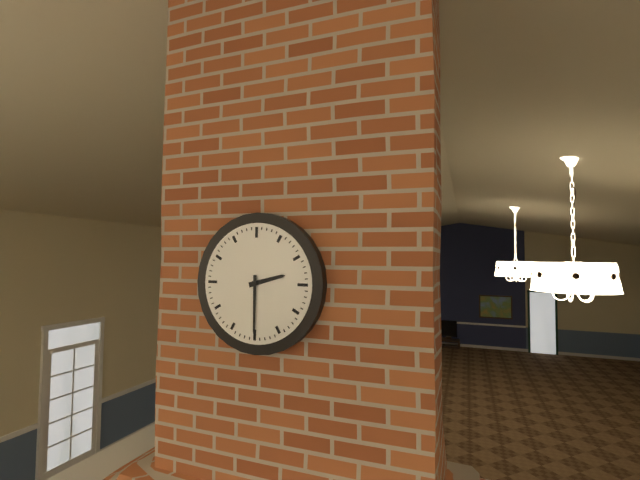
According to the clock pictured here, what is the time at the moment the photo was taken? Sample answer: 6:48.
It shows 2:30
